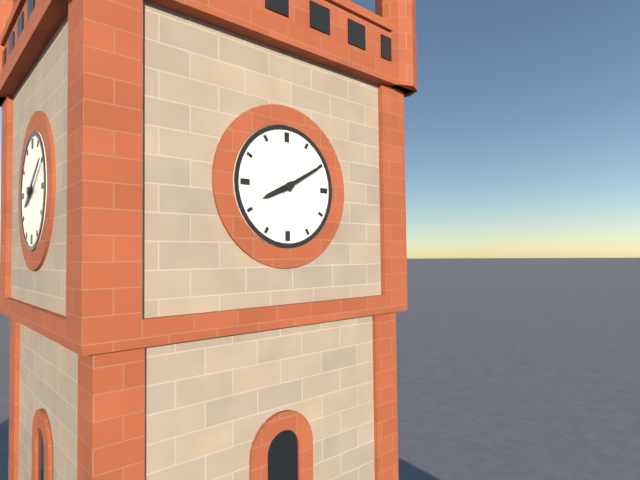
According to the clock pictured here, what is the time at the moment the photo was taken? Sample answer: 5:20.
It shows 8:10
